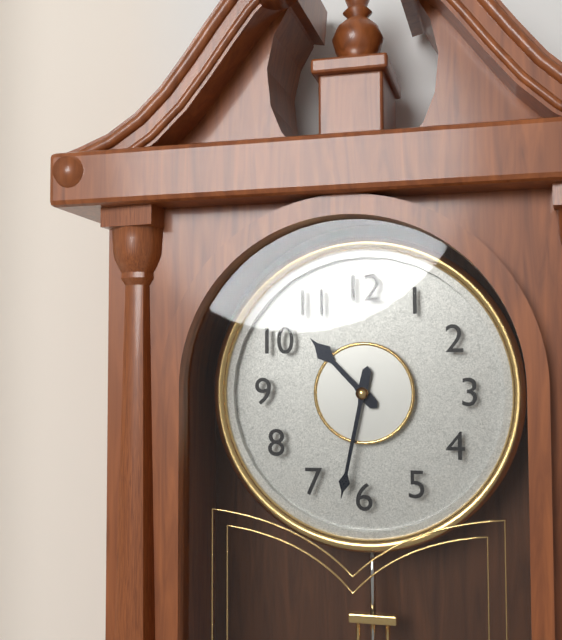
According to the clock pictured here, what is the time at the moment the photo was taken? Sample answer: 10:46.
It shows 10:32
